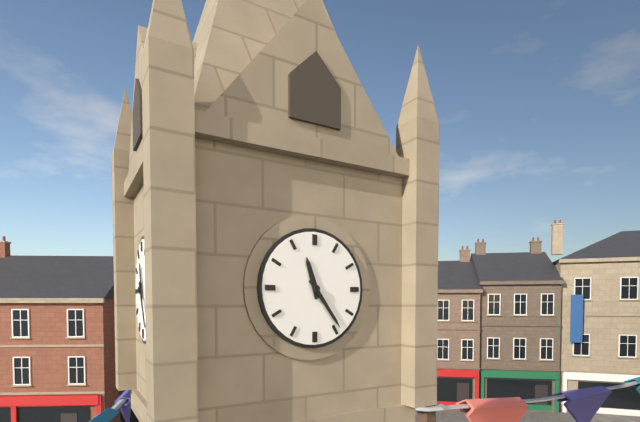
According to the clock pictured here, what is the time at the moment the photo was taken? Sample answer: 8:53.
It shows 11:24
